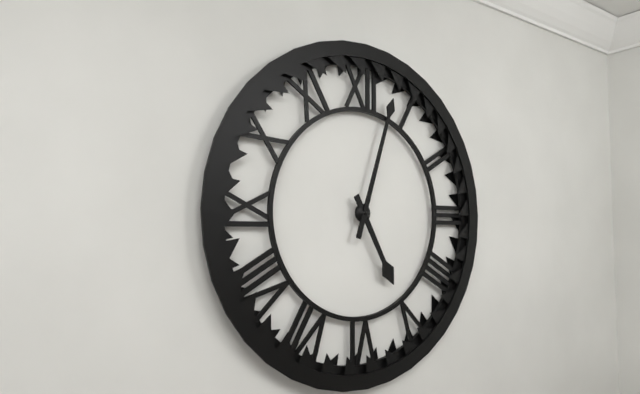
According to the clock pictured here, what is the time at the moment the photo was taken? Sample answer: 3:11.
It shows 5:03
